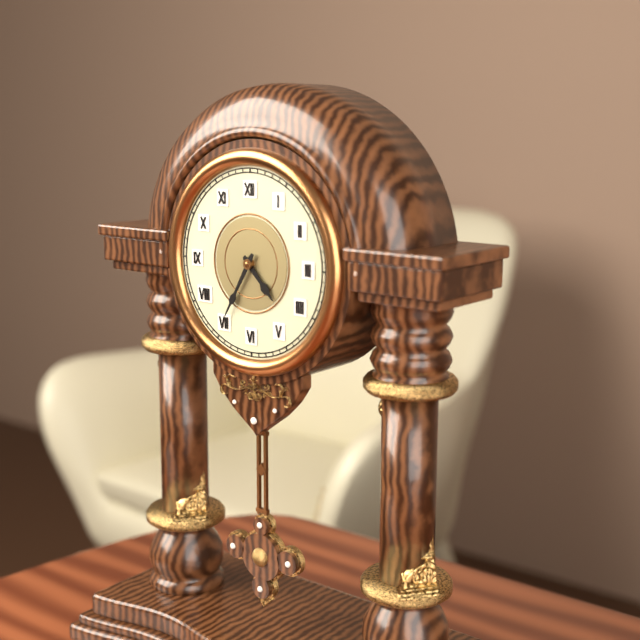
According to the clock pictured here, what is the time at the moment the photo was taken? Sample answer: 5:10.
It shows 4:35
